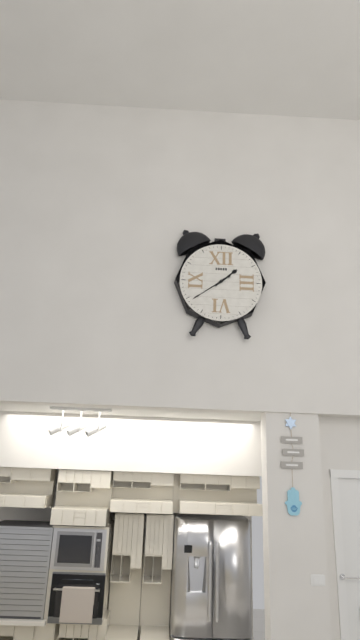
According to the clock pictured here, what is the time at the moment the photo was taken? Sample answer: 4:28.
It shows 1:39
